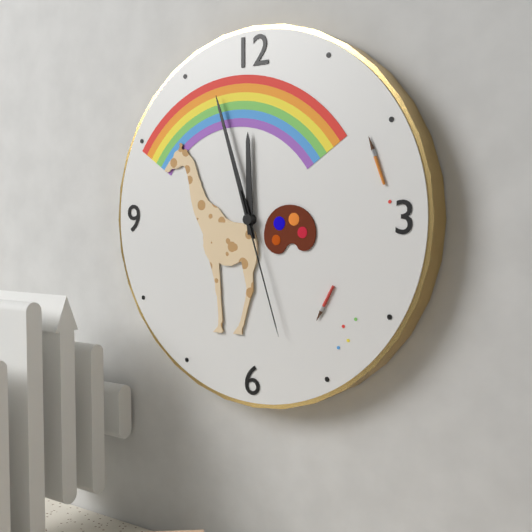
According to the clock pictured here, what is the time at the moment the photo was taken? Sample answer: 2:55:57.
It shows 11:57:27
